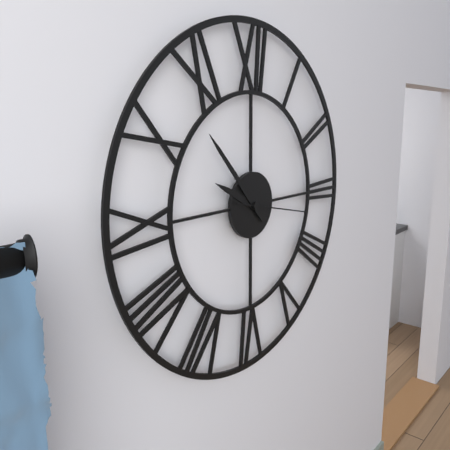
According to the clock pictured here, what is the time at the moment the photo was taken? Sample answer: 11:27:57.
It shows 9:53:17
